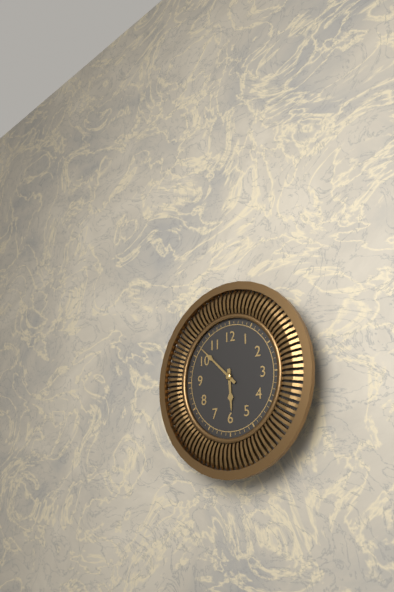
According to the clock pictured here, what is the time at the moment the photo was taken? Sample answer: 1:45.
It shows 5:52
